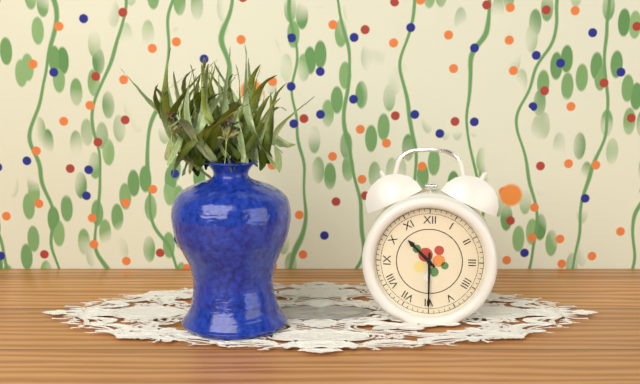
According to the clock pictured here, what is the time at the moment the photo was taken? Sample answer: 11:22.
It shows 10:30
